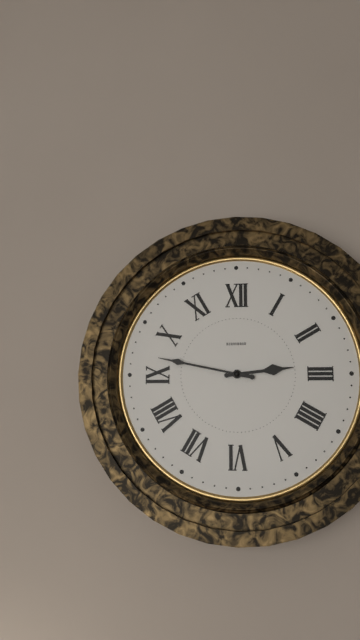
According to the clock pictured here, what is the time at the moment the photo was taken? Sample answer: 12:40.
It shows 2:47
